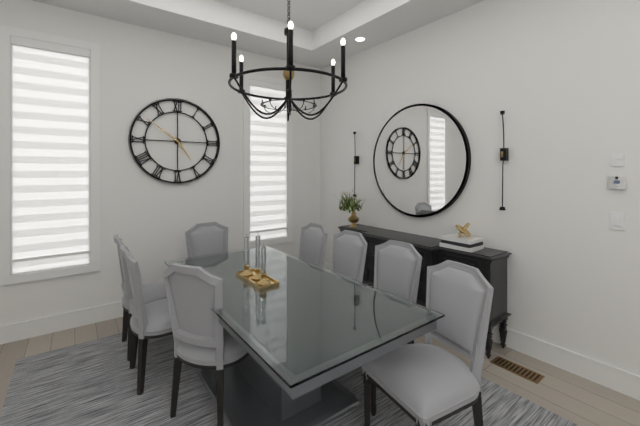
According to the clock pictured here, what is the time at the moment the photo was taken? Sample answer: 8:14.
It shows 4:51
